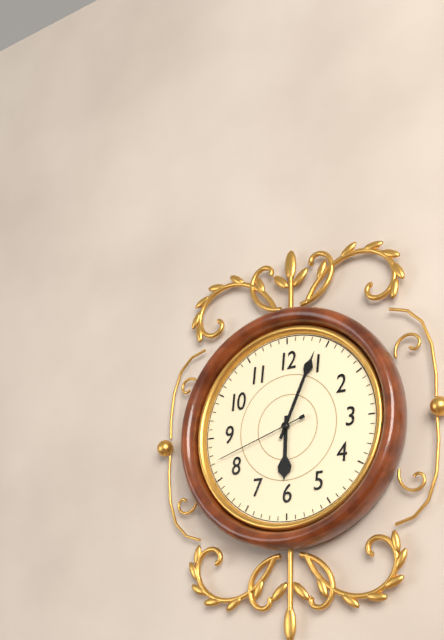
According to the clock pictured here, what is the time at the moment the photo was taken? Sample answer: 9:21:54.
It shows 6:04:42
